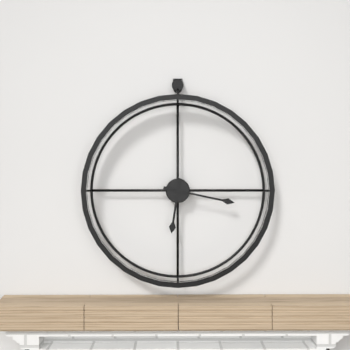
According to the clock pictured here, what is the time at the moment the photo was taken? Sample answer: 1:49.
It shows 6:17
